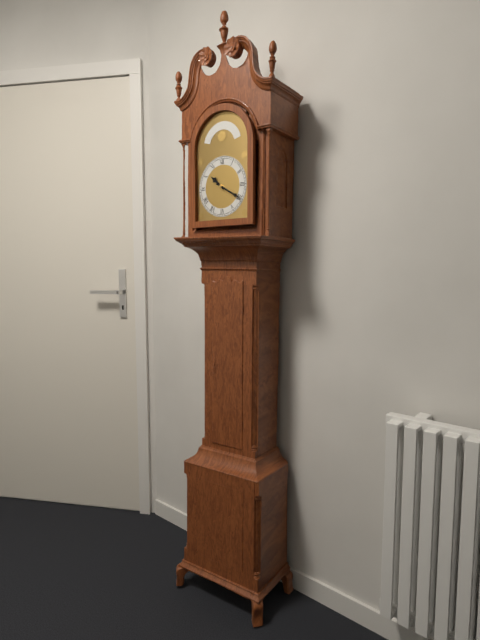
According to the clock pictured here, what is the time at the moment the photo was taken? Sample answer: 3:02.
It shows 10:20
